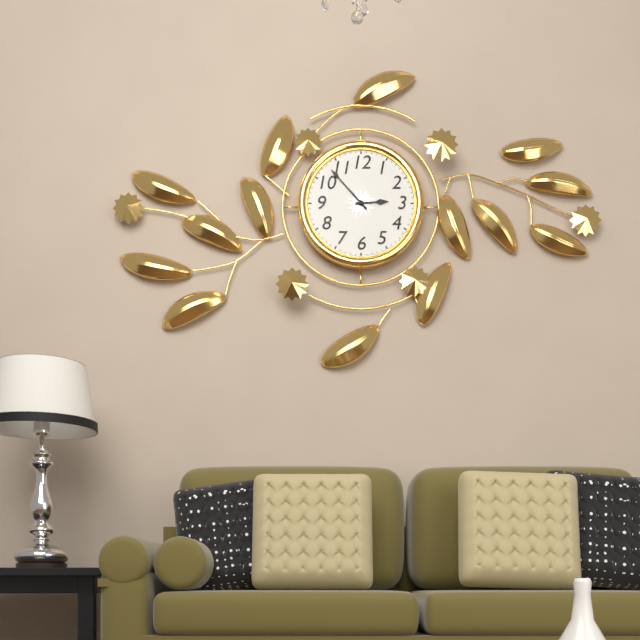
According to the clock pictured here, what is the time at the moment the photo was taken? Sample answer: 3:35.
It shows 2:53
